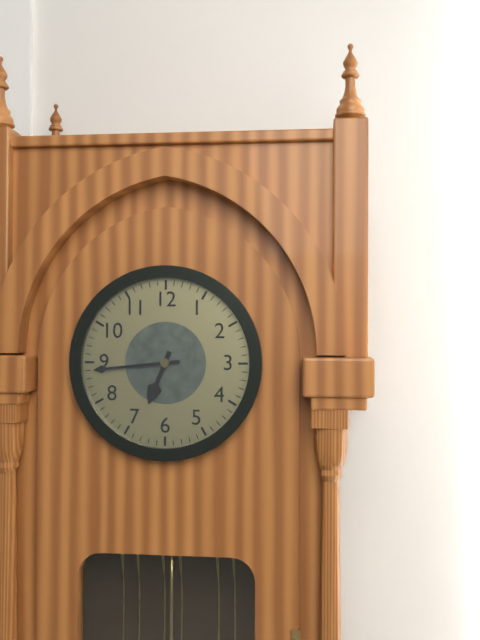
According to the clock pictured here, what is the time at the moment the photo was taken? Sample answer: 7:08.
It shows 6:44
